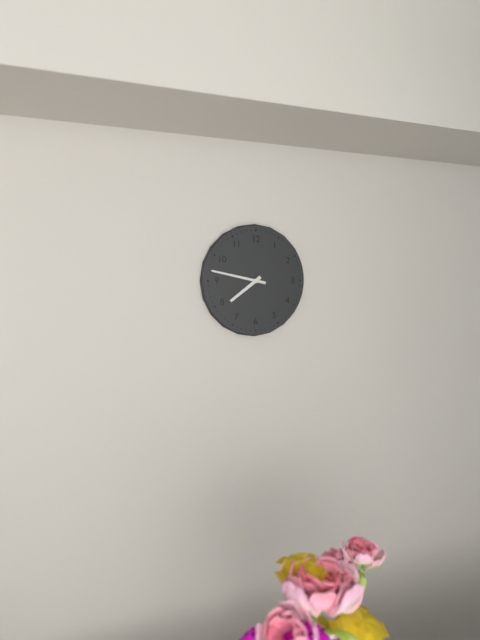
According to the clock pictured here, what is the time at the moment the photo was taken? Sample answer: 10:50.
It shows 7:47
